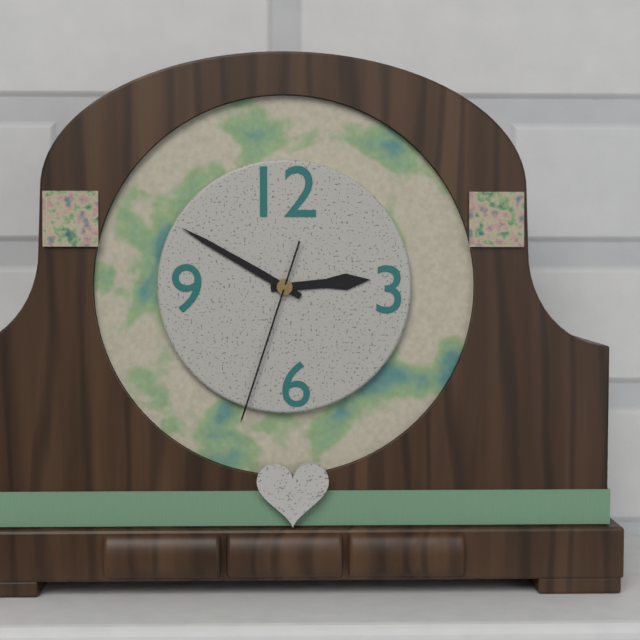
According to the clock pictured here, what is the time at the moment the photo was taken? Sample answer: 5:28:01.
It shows 2:50:33
